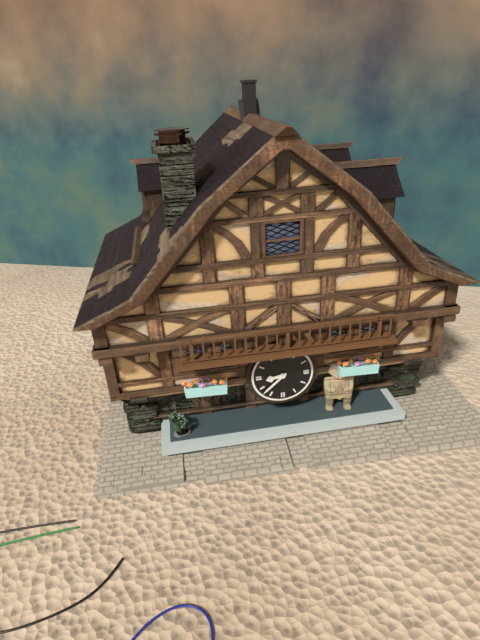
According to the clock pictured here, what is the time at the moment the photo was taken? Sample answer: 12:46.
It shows 8:38
